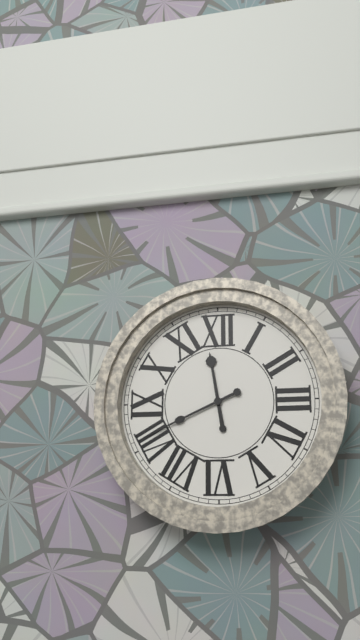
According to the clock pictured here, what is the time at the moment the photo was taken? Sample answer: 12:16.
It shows 11:41
